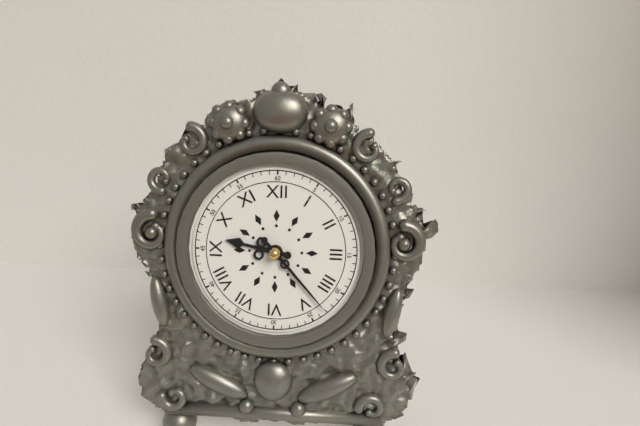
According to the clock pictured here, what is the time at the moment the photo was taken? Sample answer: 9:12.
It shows 9:23
